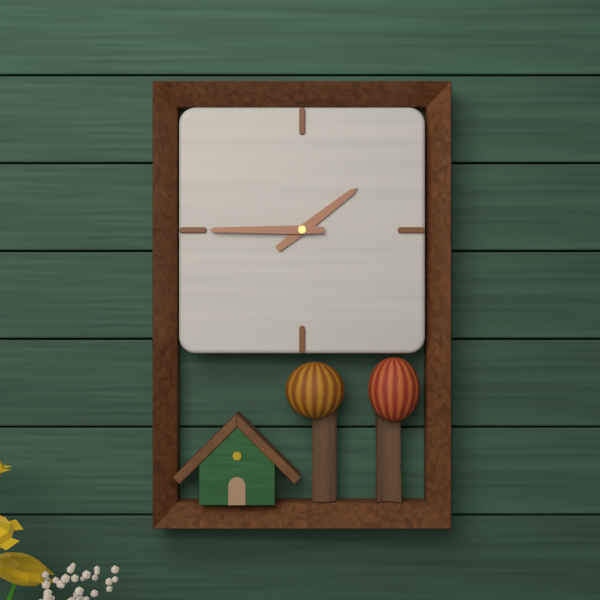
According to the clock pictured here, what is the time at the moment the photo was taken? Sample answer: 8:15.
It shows 1:45
